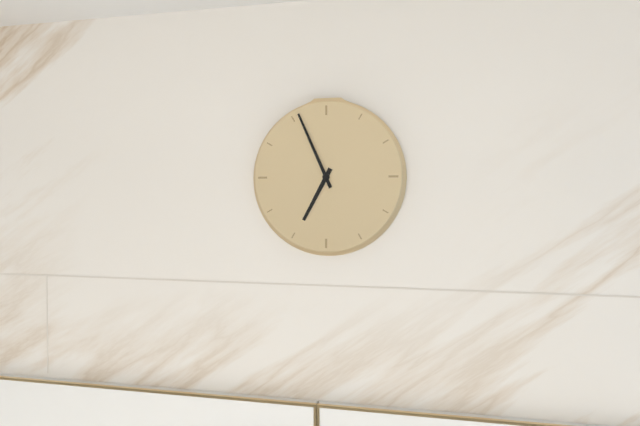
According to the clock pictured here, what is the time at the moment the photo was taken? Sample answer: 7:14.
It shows 6:56
